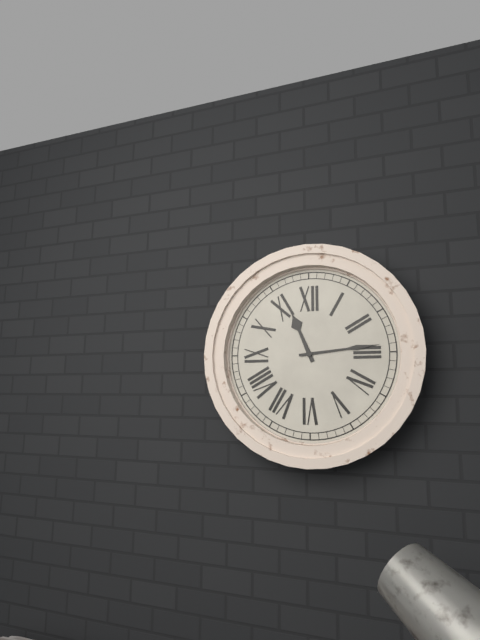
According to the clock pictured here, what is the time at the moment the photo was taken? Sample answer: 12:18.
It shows 11:14
